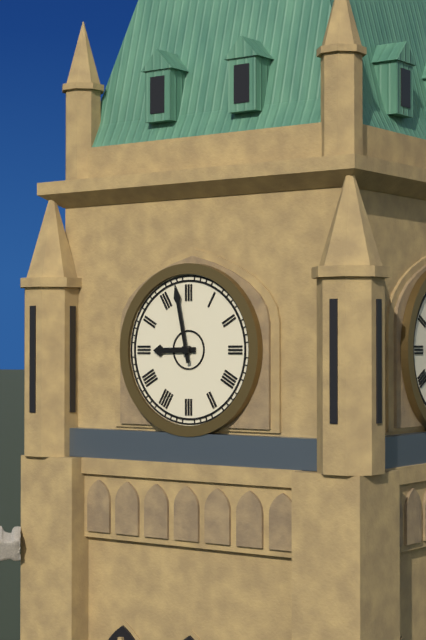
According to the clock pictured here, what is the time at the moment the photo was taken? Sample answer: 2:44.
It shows 8:58
